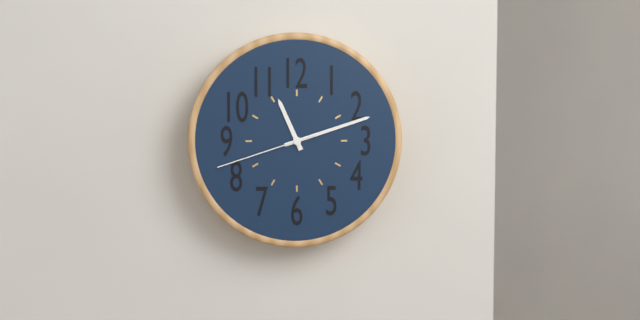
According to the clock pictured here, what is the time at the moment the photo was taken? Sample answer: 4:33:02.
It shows 11:12:42
